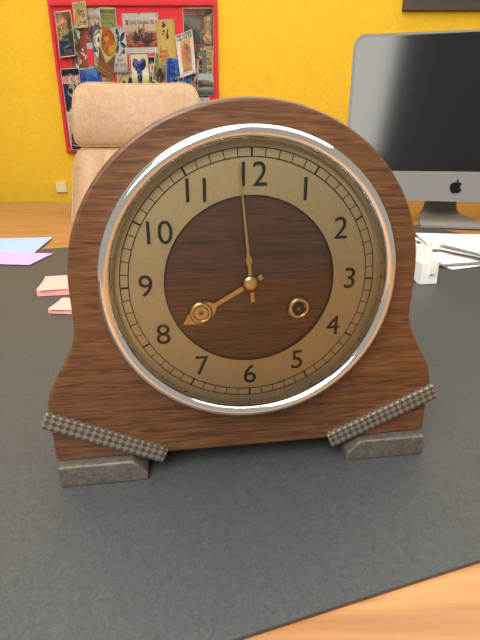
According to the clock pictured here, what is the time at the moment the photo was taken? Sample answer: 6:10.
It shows 7:59
